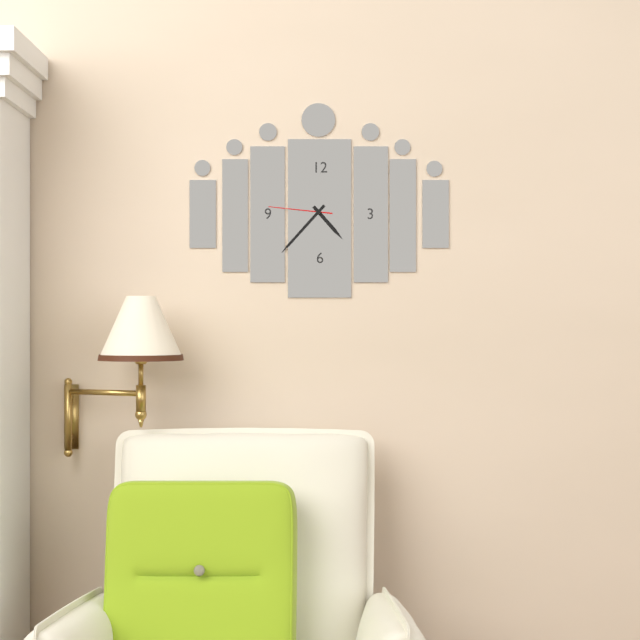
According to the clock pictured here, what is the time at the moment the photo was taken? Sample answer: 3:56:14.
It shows 4:37:46
